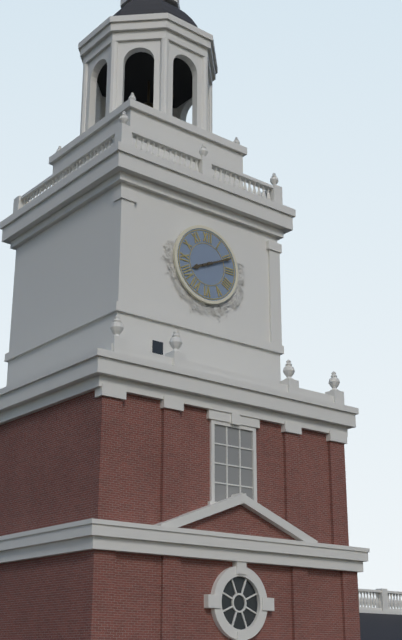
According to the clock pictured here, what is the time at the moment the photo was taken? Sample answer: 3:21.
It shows 8:11
